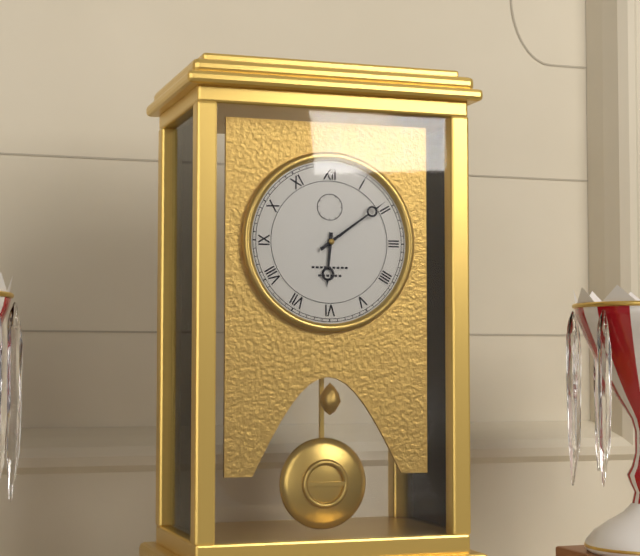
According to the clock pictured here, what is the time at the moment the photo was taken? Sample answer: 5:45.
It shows 6:09
